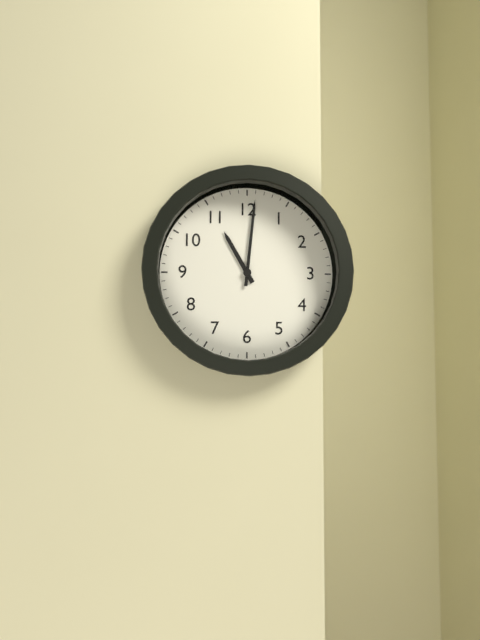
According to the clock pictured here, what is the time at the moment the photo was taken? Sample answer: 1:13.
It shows 11:01
